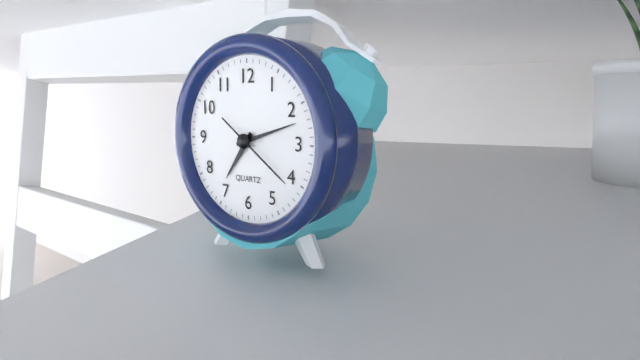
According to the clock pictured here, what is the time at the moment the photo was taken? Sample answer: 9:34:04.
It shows 7:12:21
